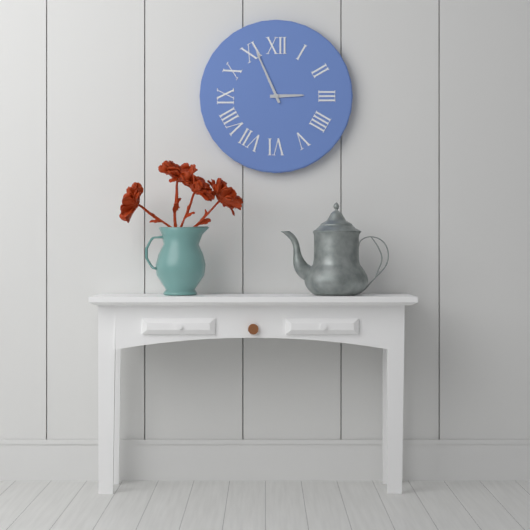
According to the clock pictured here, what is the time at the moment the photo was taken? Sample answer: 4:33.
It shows 2:56
